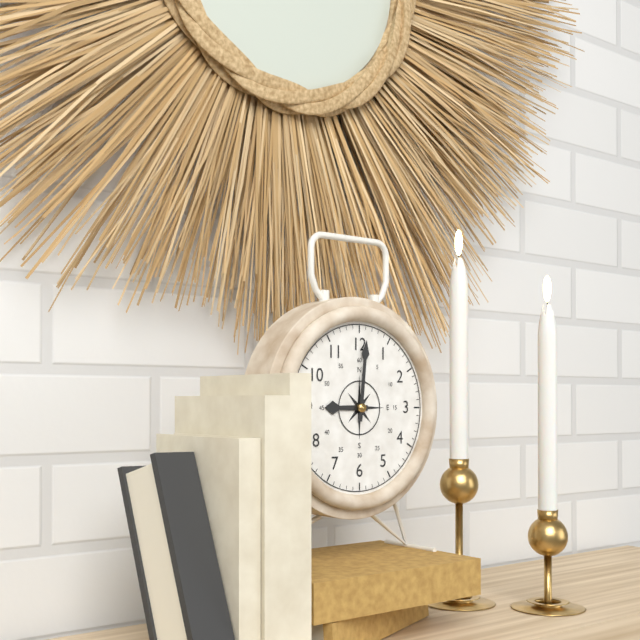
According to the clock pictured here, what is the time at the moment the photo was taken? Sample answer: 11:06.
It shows 9:01
